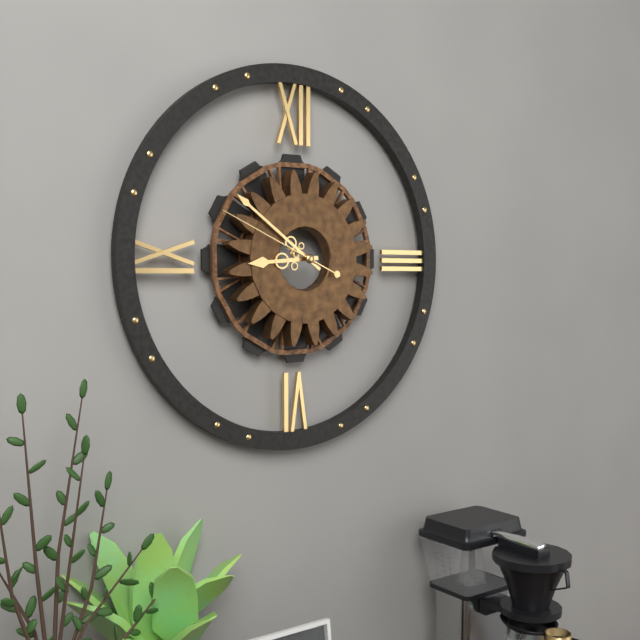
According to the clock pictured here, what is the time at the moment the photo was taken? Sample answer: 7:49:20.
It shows 8:51:49
